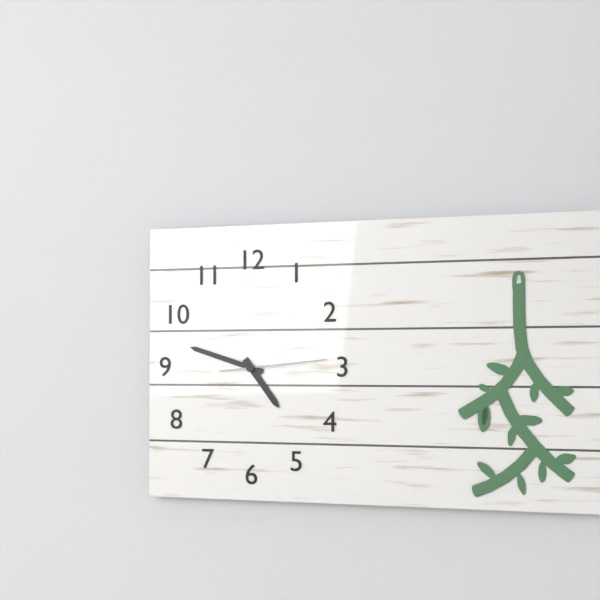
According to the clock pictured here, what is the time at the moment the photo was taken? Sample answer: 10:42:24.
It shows 4:48:14
